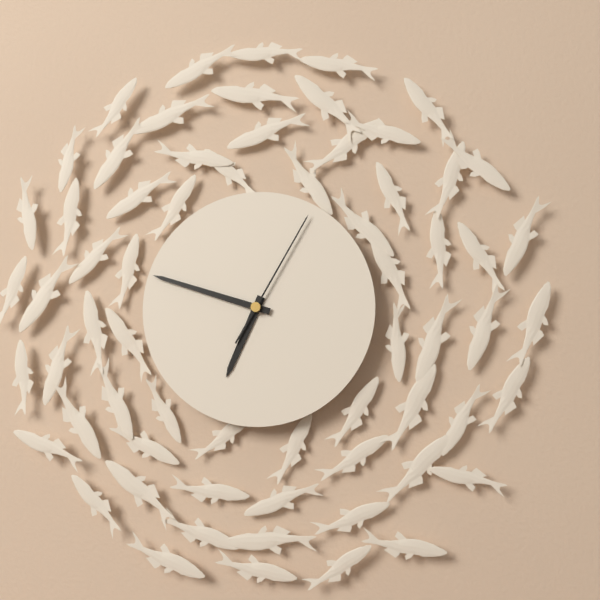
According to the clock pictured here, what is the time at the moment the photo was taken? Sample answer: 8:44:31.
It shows 6:48:05
